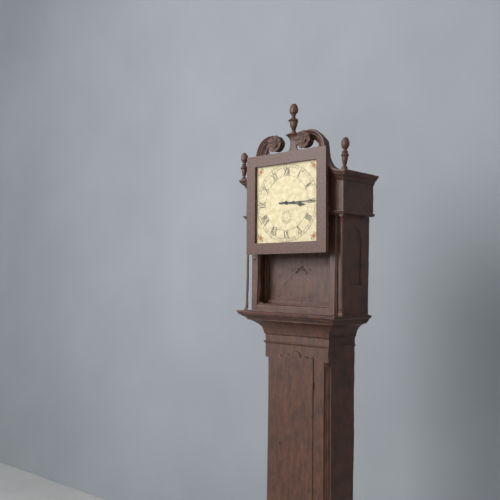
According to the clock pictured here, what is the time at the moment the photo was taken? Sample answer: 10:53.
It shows 3:15
